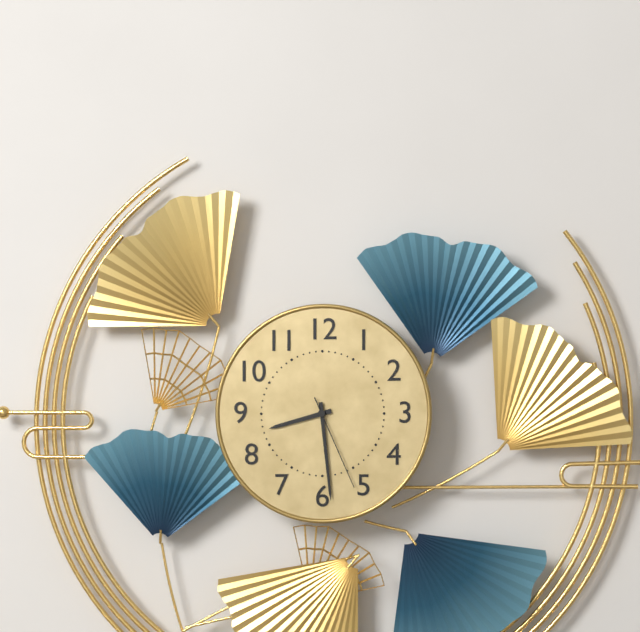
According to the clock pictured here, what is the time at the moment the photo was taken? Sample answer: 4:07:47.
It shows 8:29:26
